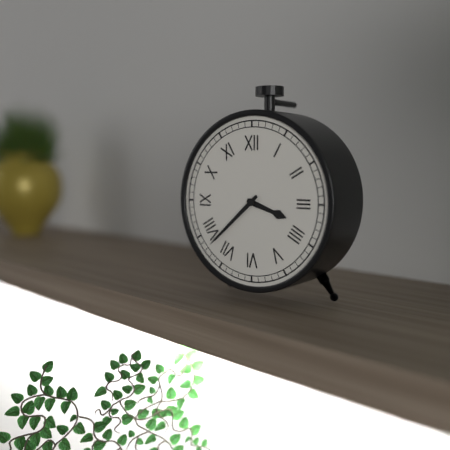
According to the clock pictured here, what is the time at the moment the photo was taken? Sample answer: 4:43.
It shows 3:38
